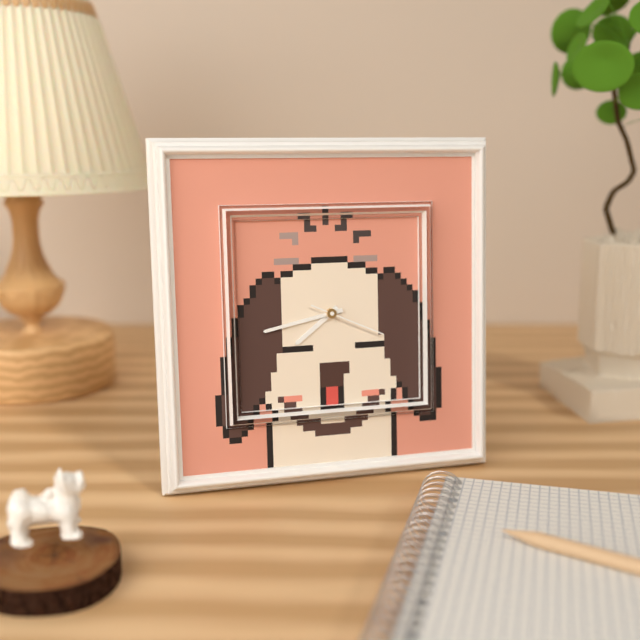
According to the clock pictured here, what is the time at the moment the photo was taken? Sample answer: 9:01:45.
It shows 7:43:19
